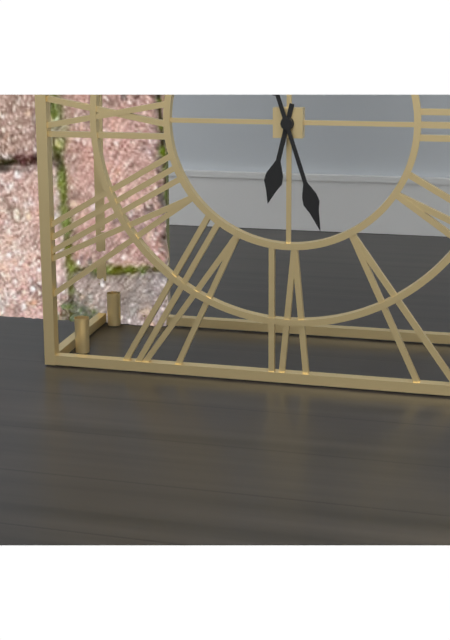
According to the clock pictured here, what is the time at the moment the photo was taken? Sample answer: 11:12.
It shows 6:27
